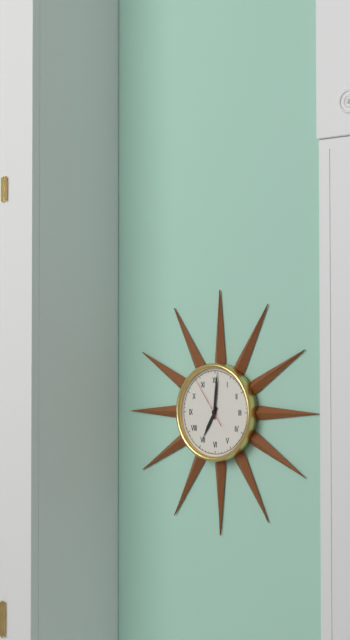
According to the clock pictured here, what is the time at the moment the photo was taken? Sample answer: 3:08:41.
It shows 7:01:54
